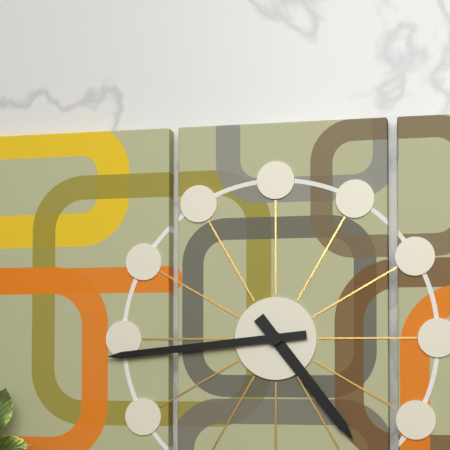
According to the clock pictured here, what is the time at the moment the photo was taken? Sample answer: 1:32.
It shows 4:44
